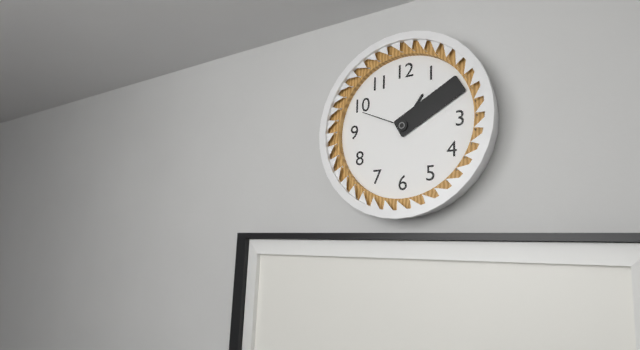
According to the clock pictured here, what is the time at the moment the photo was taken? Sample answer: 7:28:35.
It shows 1:10:49
